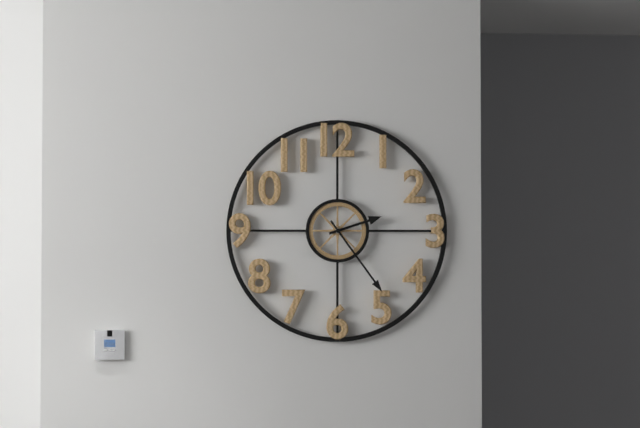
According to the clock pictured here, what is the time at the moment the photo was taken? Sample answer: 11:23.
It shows 2:24
